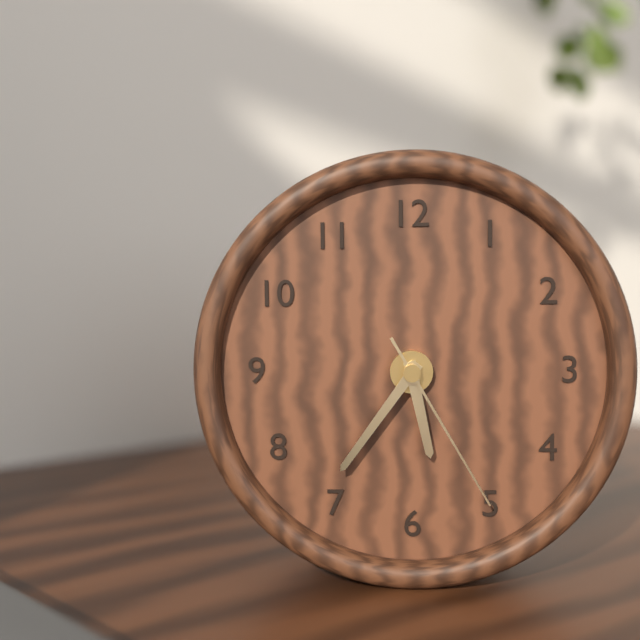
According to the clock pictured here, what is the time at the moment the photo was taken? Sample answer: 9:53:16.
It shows 5:36:25
